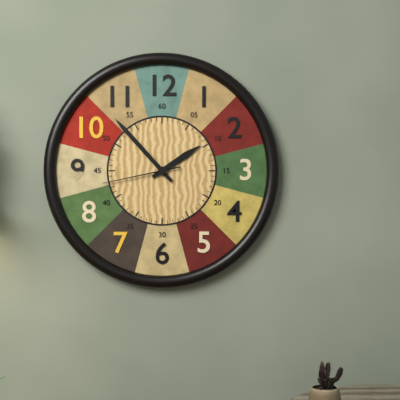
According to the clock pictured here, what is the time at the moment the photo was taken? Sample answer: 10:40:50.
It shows 1:53:43
